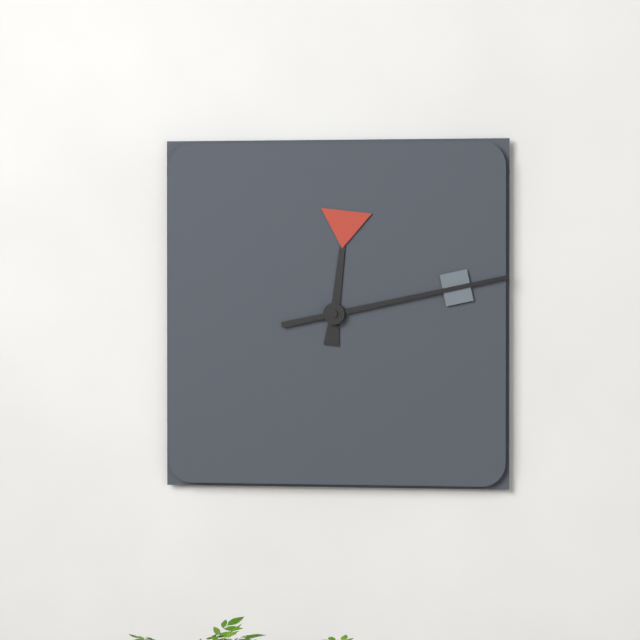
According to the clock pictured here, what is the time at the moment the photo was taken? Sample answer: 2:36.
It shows 12:13
